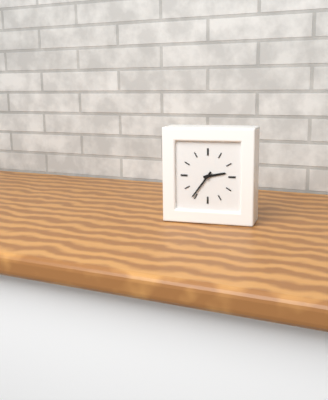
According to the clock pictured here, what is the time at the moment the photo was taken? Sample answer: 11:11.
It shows 2:36
